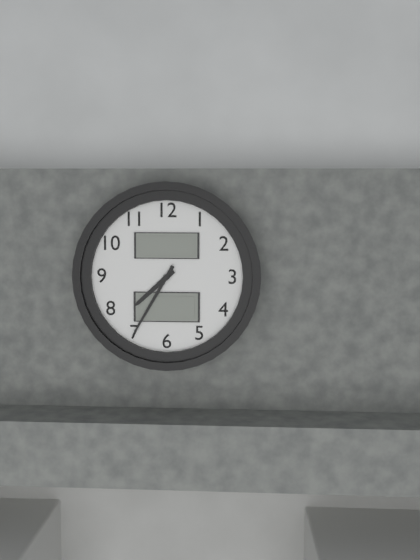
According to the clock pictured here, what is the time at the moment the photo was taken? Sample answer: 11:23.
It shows 7:35
